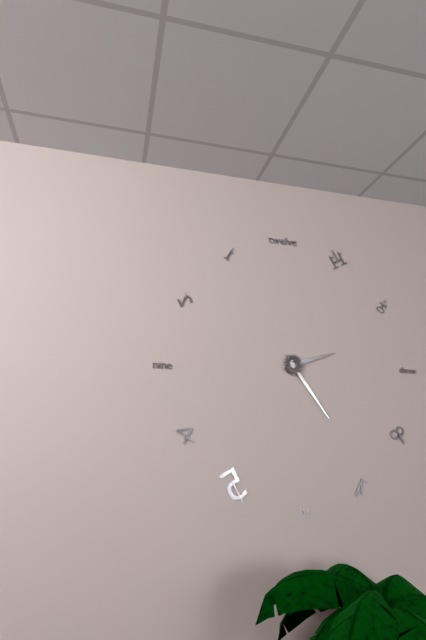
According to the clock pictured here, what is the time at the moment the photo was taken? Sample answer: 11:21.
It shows 2:24
